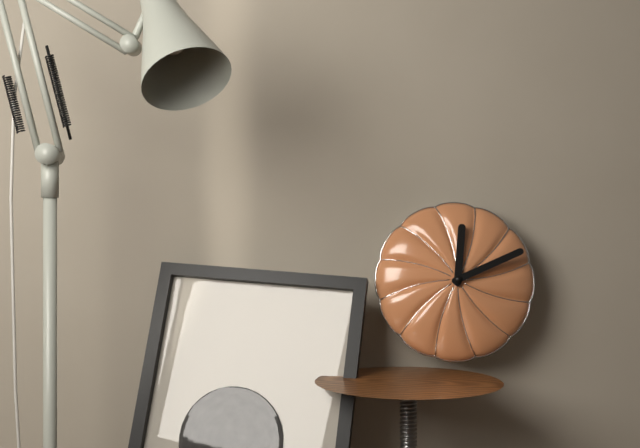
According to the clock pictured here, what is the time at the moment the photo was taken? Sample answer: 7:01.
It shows 12:11
